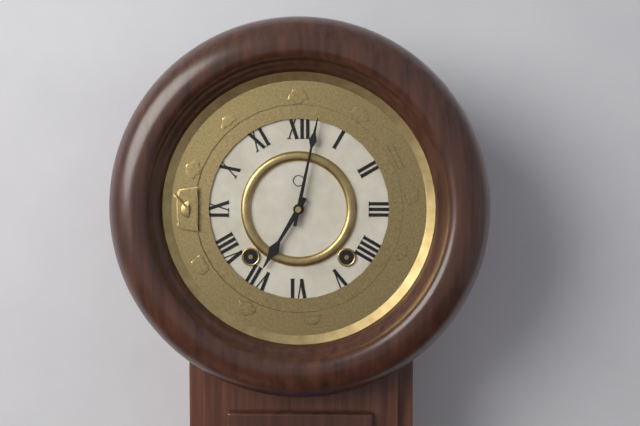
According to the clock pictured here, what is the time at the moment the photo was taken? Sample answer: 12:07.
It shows 7:02
